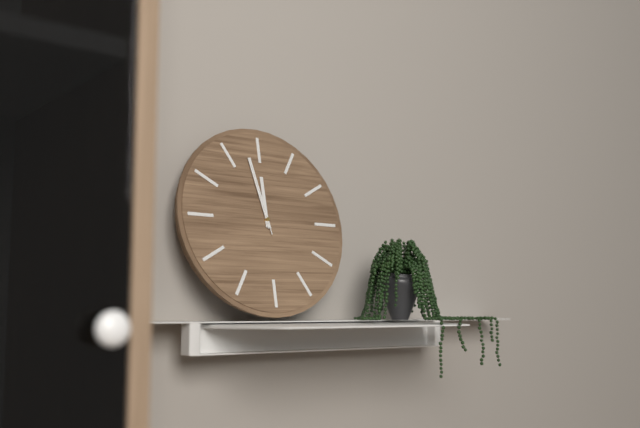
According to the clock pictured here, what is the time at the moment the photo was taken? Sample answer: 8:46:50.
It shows 11:58:58
